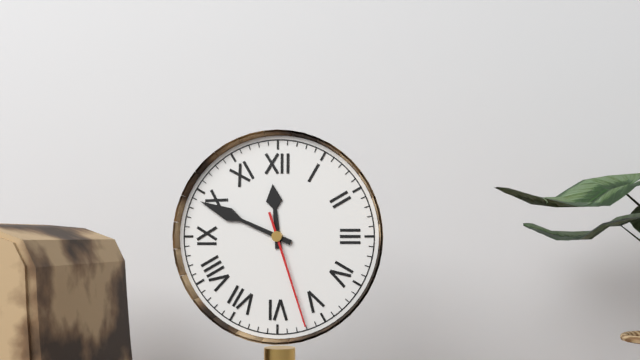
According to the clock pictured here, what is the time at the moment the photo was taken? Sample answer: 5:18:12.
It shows 11:49:27
